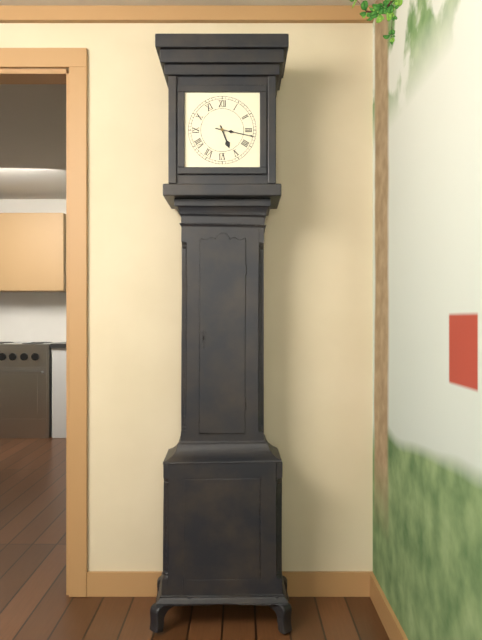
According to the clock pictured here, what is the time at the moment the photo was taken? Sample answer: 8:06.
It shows 5:17
